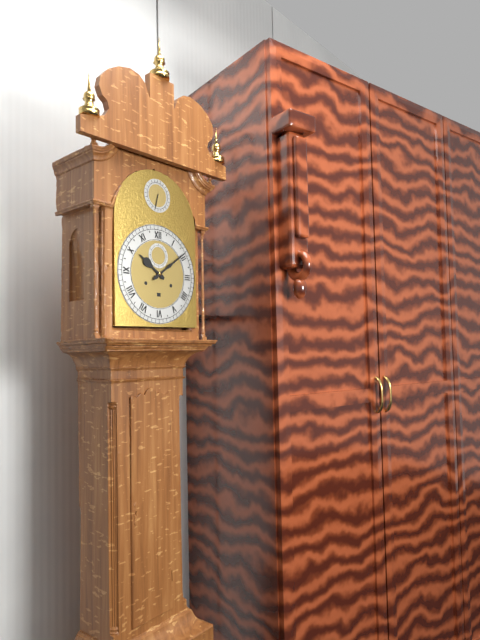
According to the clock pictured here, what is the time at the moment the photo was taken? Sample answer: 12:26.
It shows 10:09
